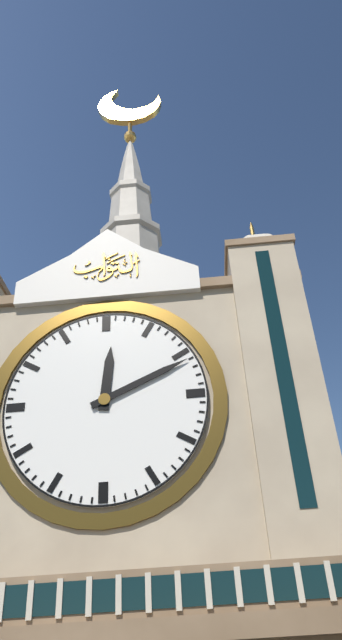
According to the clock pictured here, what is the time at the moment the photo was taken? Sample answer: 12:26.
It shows 12:11
